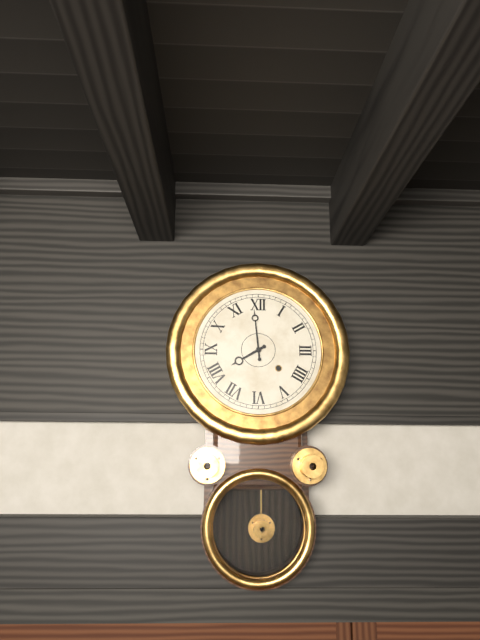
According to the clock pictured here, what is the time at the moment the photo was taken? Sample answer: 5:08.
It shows 7:59
